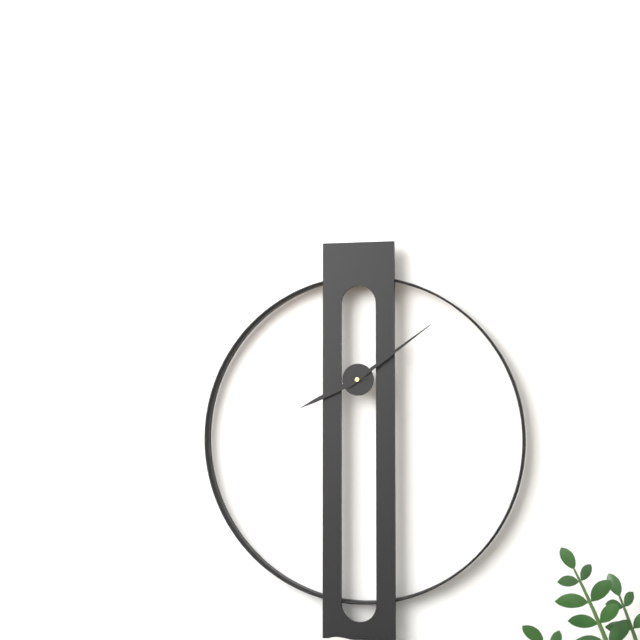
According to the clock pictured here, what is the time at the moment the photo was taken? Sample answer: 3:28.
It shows 8:09
